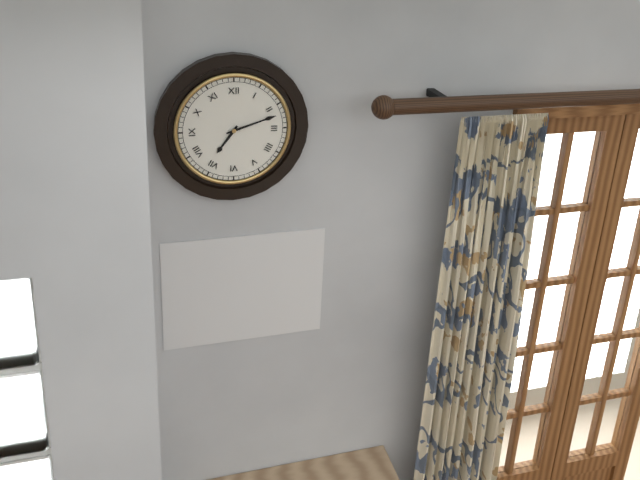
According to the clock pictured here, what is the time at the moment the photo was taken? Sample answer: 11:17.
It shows 7:12
